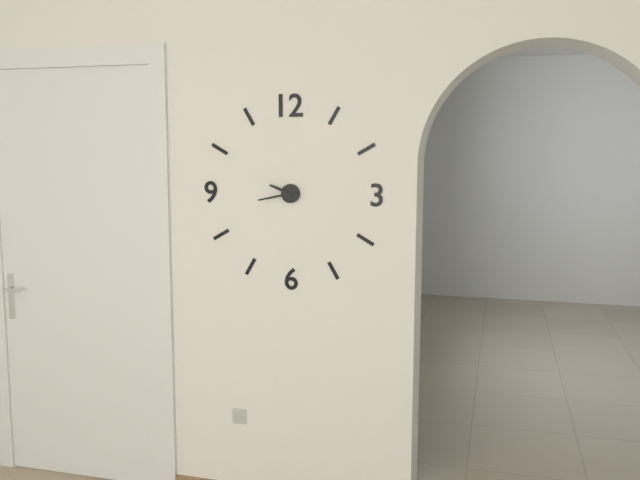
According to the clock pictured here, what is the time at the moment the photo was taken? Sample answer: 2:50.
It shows 9:43
